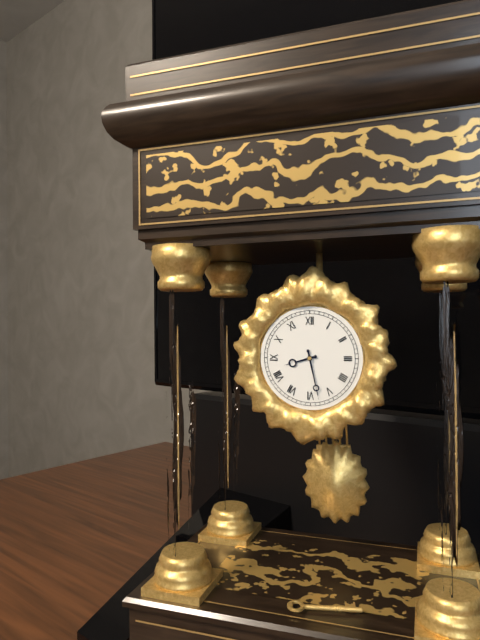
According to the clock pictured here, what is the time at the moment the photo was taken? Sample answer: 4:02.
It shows 8:28
